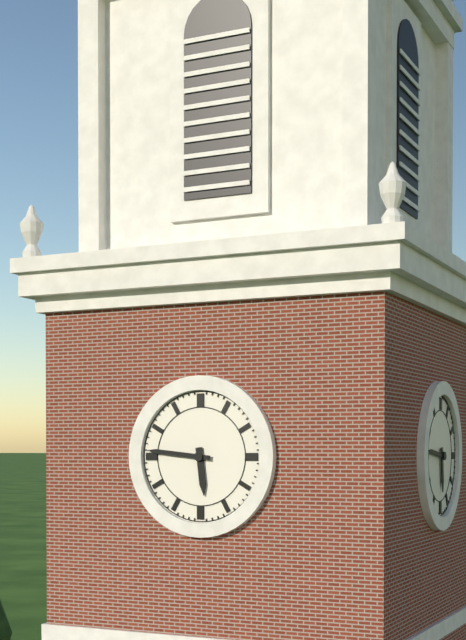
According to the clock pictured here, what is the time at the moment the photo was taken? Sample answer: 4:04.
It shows 5:46
